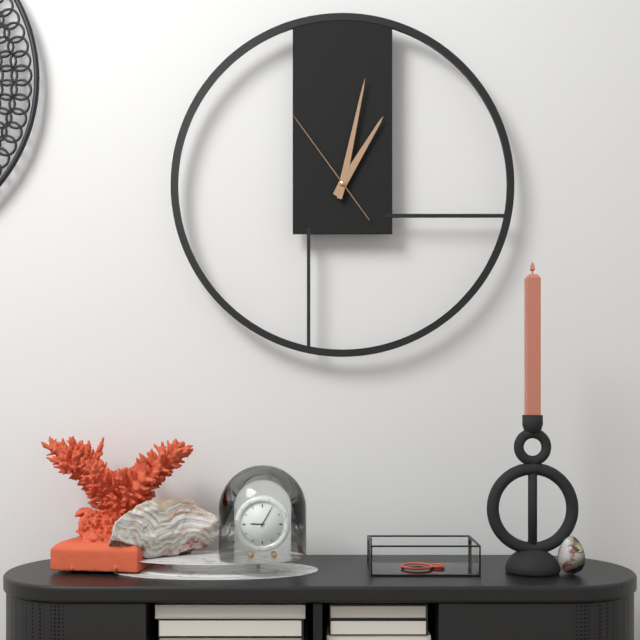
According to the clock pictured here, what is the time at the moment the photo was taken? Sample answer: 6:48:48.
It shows 1:02:54
